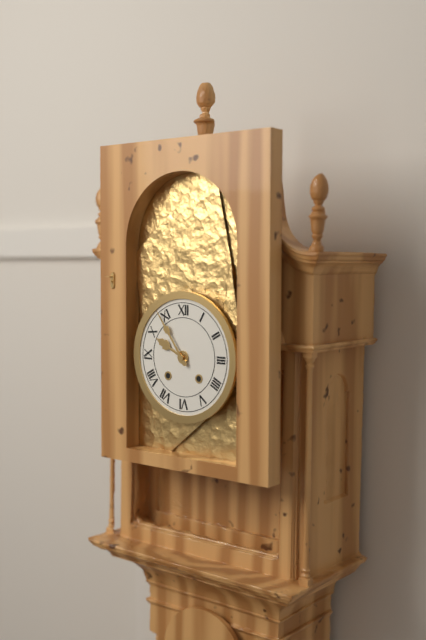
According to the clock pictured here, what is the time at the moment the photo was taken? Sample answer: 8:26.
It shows 9:54
